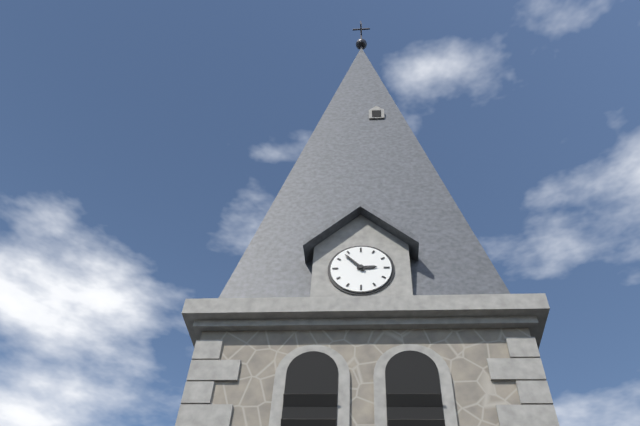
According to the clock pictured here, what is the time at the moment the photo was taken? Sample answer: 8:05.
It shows 2:53
